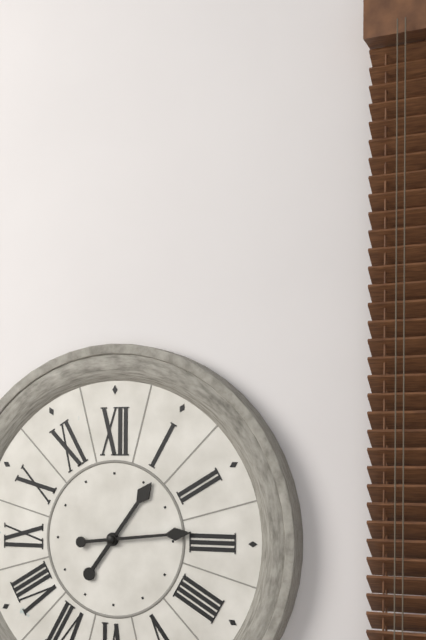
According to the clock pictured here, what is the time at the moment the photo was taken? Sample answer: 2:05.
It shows 1:14
